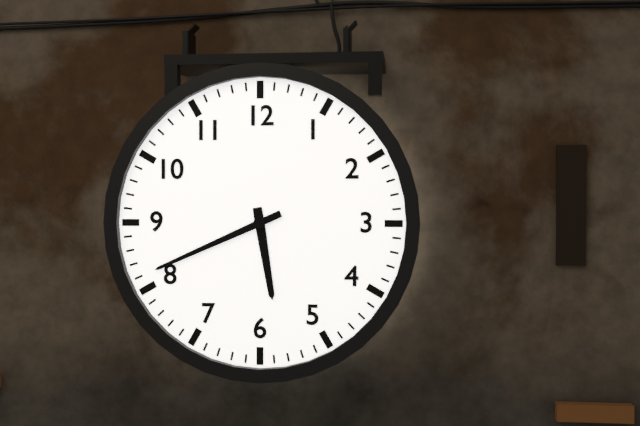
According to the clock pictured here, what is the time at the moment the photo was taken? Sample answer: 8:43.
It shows 5:41
